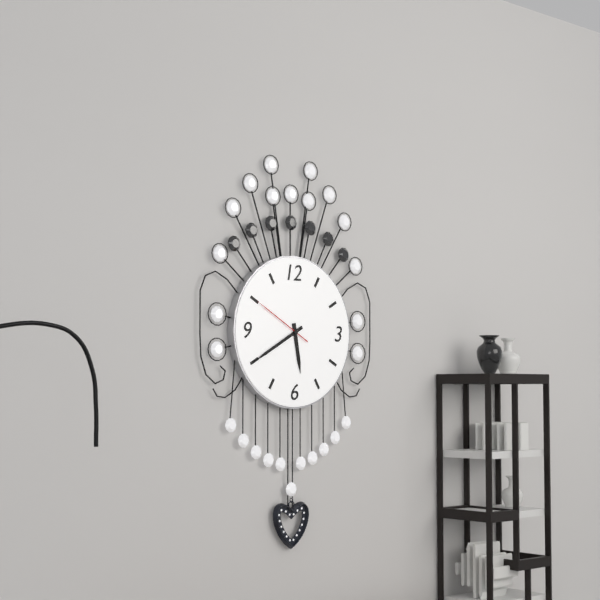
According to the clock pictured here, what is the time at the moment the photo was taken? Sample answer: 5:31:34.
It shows 5:40:50
